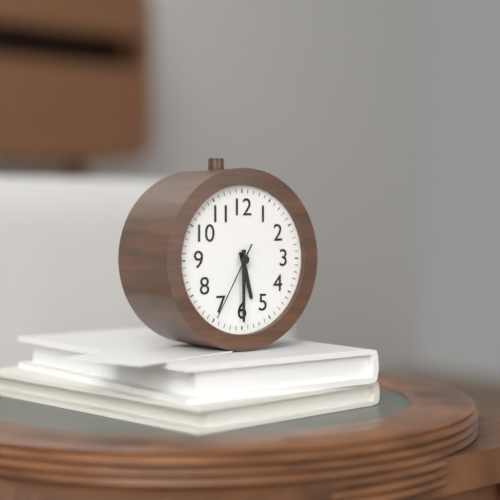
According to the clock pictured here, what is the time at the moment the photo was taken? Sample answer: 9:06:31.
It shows 5:30:35
